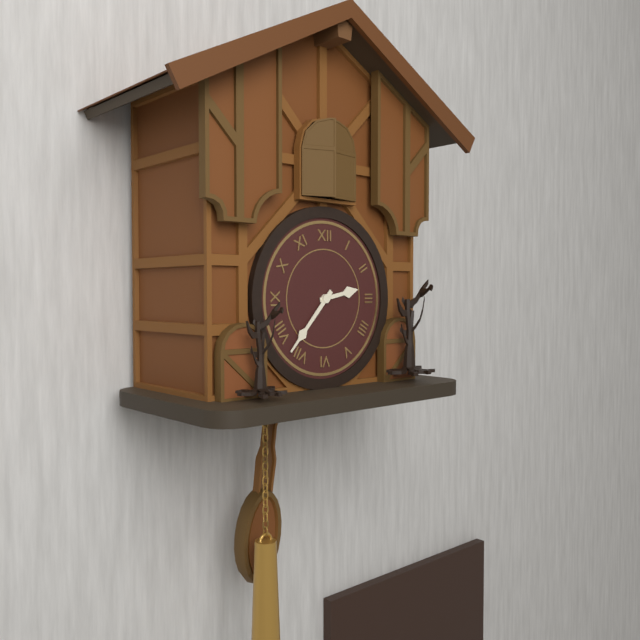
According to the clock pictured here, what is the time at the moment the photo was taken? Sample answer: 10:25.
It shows 2:37
